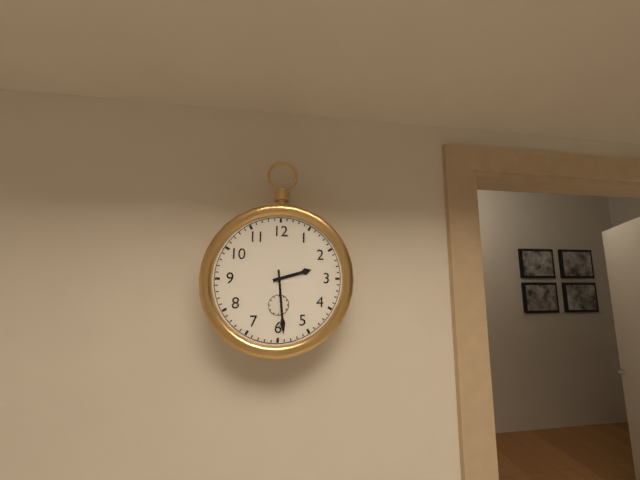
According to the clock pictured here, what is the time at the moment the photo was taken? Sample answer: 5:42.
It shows 2:29
